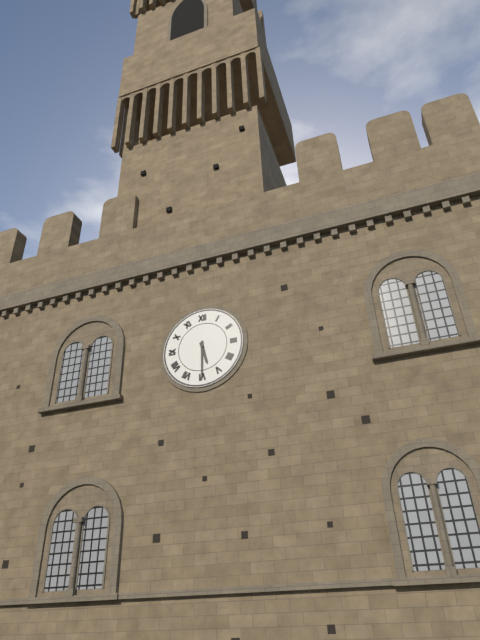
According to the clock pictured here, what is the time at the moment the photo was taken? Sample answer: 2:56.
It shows 5:30
